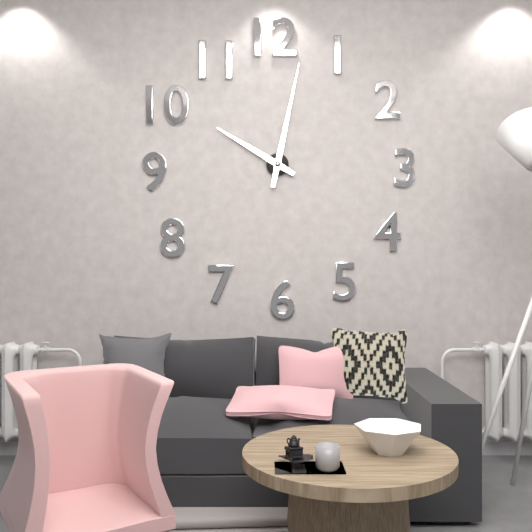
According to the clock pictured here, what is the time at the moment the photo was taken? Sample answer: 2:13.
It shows 10:02
